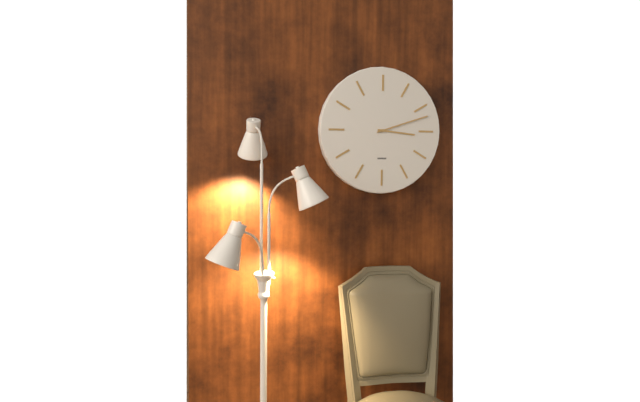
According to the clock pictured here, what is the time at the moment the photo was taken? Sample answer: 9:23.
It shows 3:12
